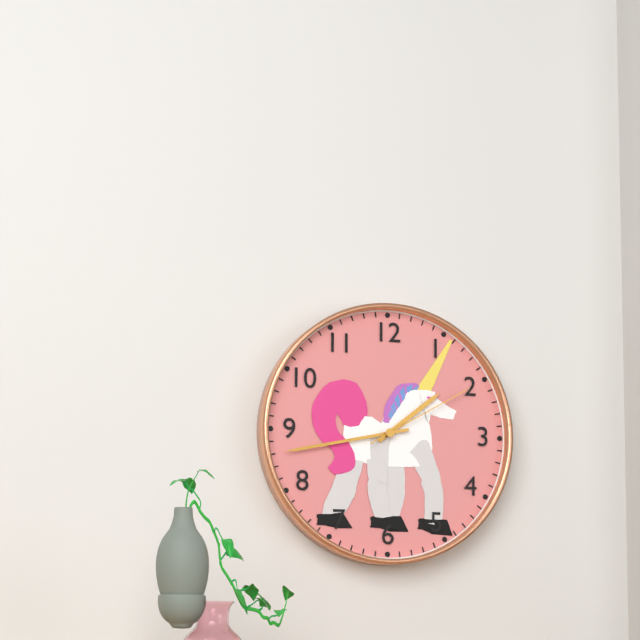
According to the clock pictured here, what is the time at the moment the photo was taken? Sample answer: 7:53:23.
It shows 1:43:10
